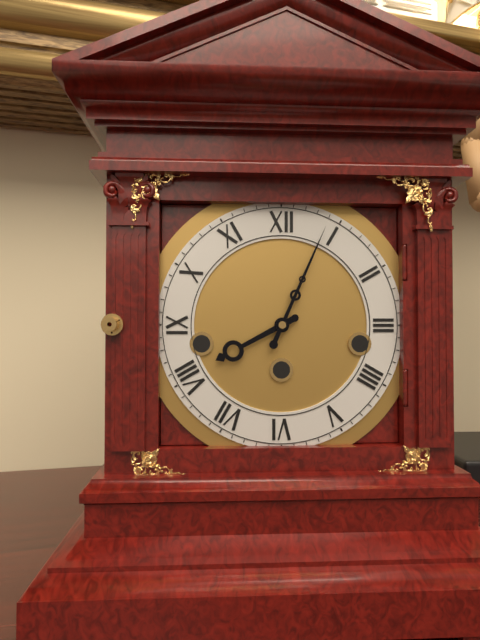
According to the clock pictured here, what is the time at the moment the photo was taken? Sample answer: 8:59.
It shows 8:04
